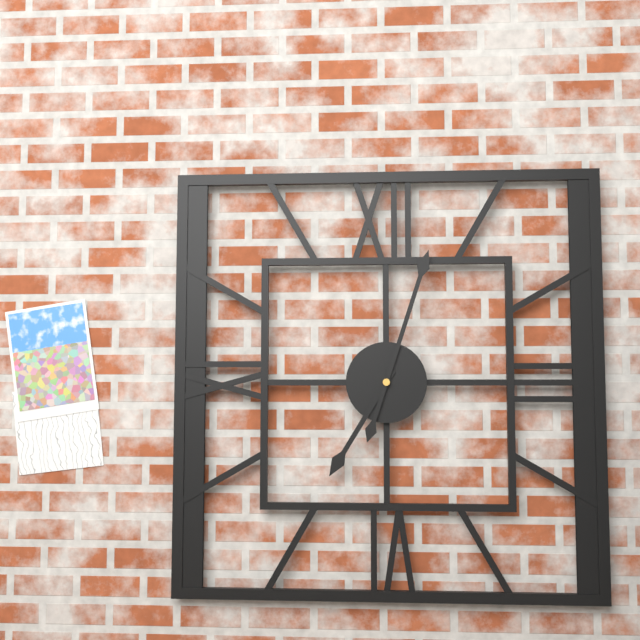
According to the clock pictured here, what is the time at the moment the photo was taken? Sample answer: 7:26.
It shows 7:03
